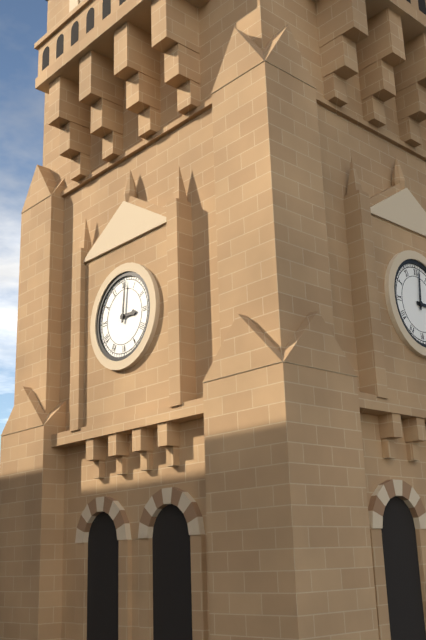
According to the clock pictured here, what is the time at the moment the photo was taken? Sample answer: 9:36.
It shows 3:01
